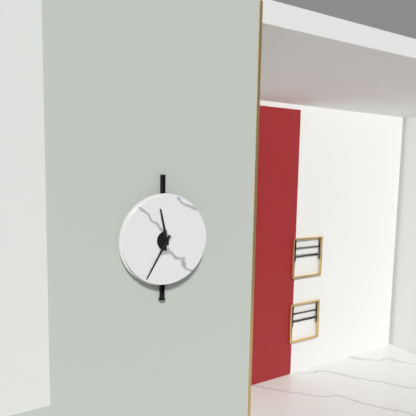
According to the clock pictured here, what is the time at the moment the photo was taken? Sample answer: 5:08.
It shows 11:35
